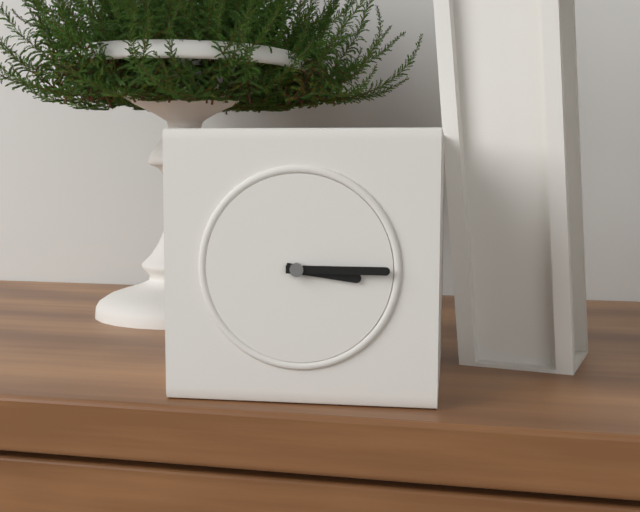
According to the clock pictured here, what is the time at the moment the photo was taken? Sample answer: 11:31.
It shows 3:15
